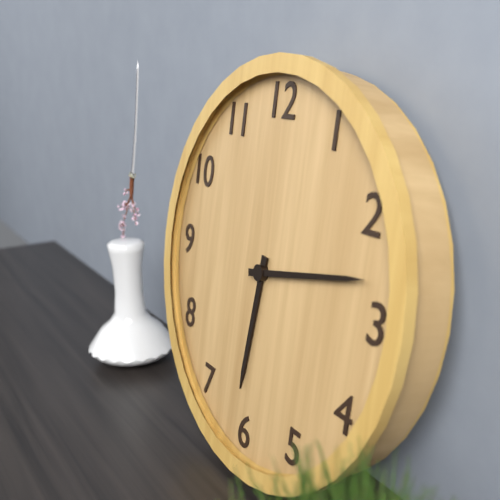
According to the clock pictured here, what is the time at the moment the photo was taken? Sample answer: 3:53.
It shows 6:13
